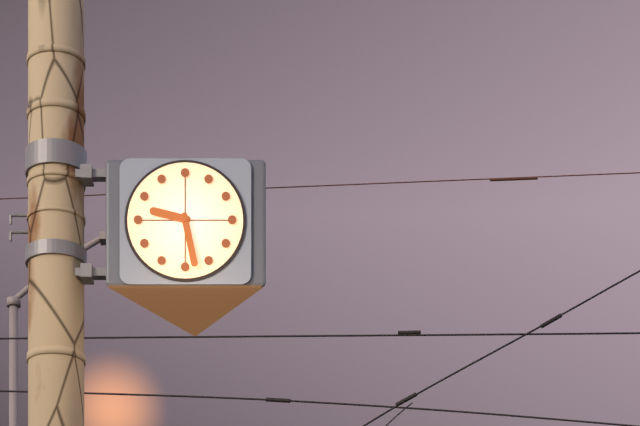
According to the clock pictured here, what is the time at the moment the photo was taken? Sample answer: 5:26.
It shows 9:28
